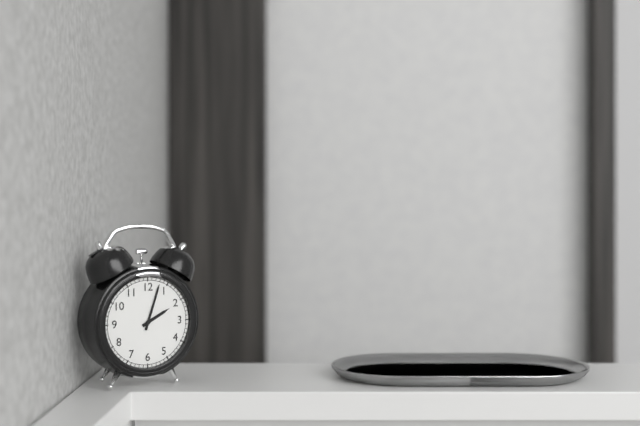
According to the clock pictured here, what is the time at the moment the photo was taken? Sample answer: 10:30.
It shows 2:03
